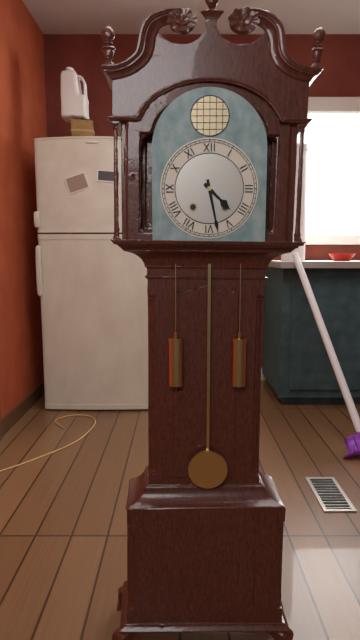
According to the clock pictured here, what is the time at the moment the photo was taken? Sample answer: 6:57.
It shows 4:28
